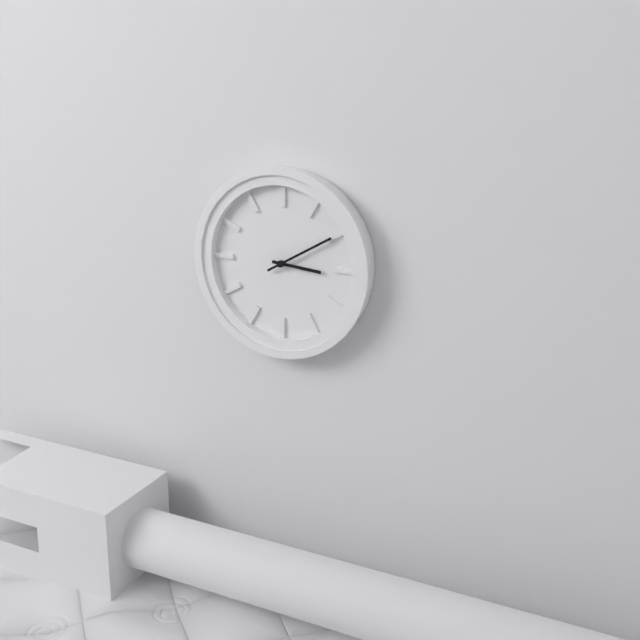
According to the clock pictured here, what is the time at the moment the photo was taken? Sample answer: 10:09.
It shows 3:10
